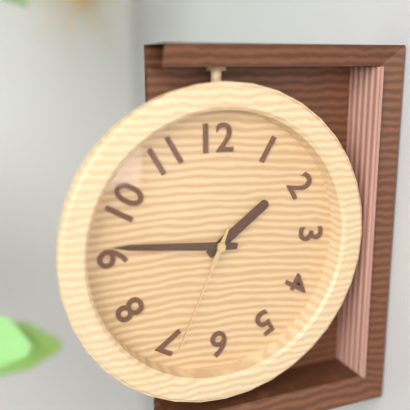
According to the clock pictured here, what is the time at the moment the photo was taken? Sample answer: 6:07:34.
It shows 1:46:34
